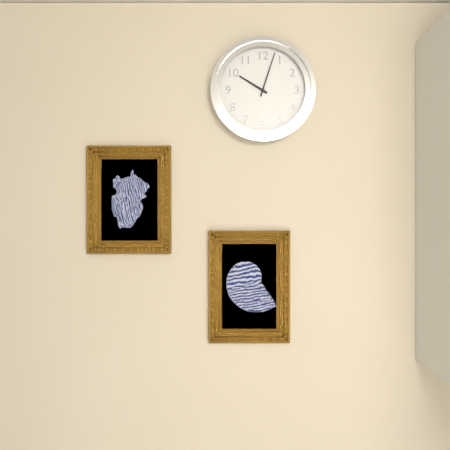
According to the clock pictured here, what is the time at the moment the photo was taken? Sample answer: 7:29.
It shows 10:03
